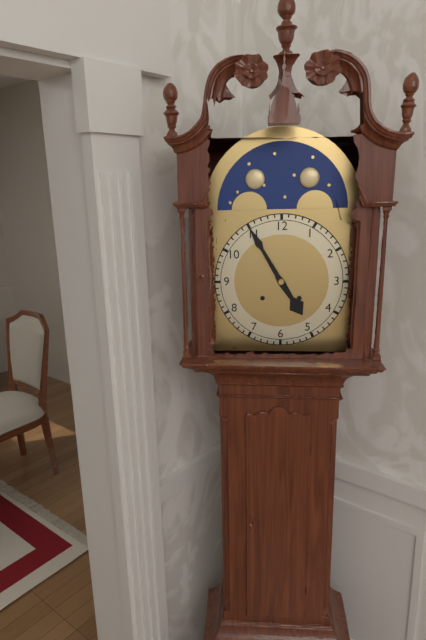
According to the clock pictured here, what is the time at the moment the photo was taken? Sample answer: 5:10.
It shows 4:55
